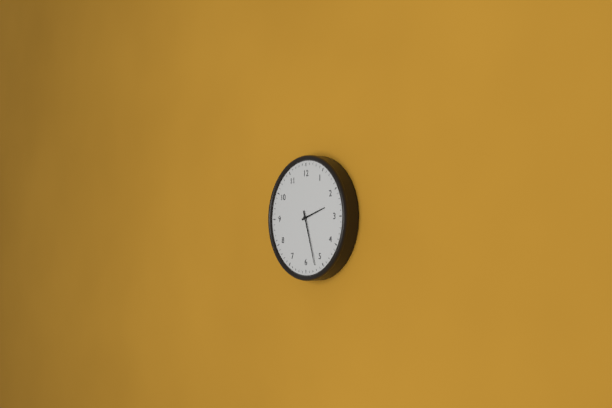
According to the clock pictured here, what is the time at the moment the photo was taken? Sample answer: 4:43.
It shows 2:27
